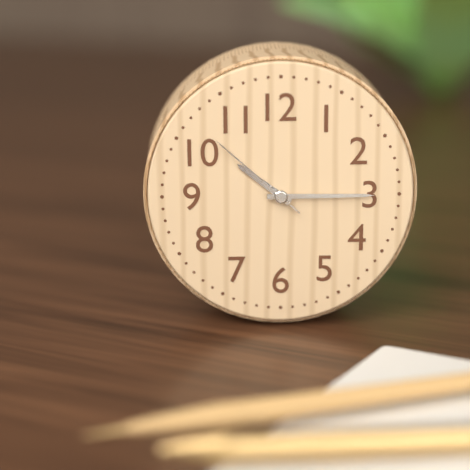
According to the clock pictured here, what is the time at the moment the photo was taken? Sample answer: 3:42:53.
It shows 10:15:52
